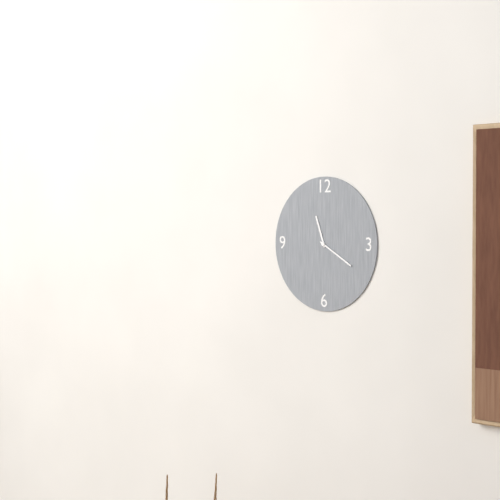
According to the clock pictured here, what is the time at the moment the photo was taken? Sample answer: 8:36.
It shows 11:20
